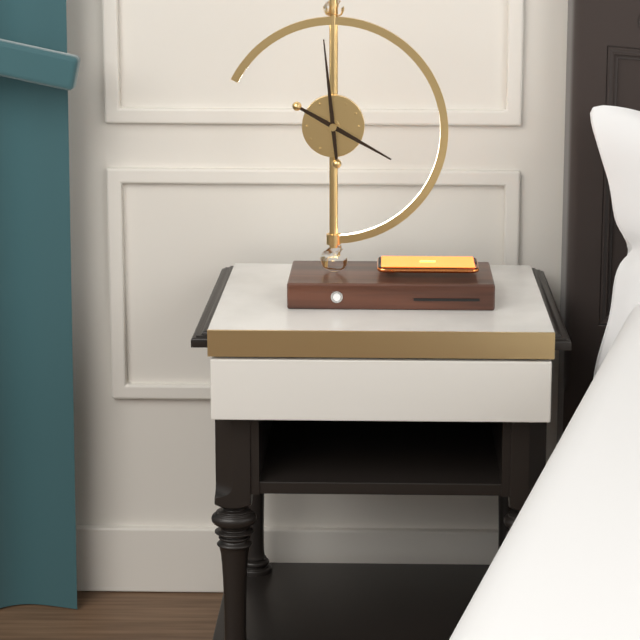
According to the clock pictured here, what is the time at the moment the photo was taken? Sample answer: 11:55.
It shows 3:59
